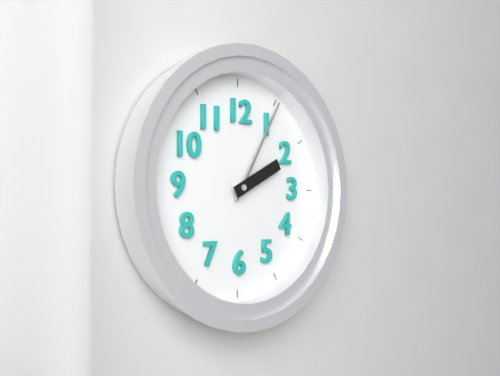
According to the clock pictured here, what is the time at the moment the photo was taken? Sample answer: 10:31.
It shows 2:05
